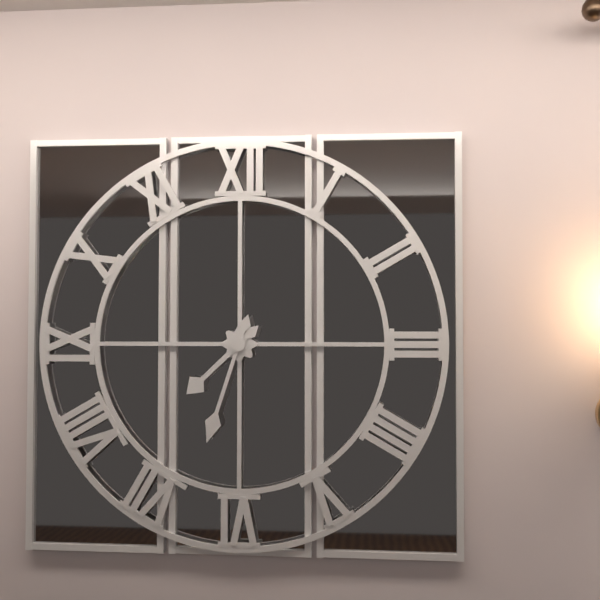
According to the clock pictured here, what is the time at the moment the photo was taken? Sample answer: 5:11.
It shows 7:33
